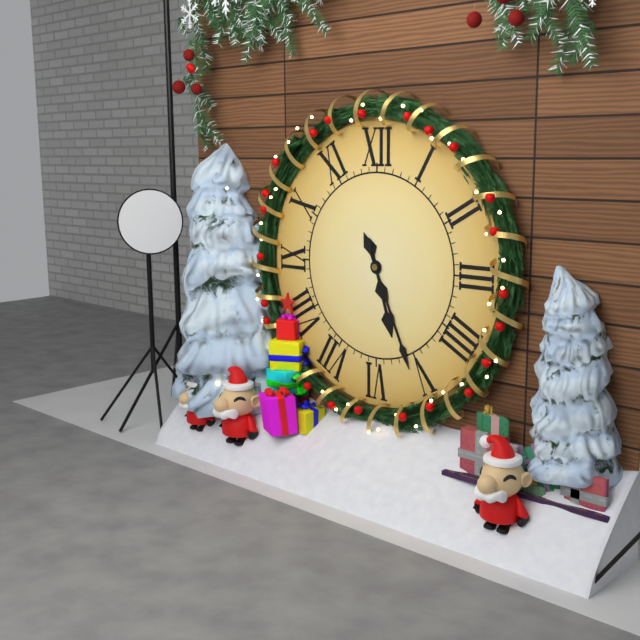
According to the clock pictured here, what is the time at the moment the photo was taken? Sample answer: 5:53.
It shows 5:26
